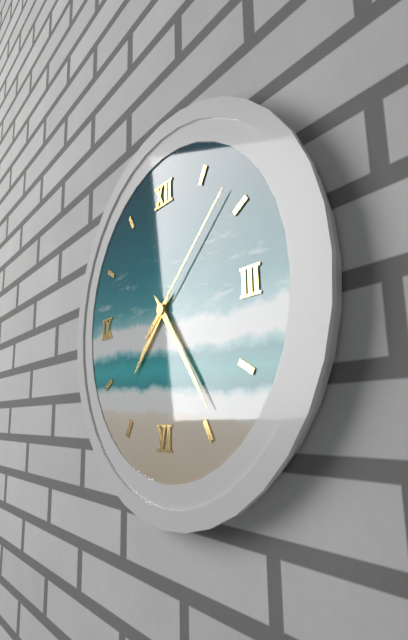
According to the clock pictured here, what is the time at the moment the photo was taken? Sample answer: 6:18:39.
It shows 7:24:08
